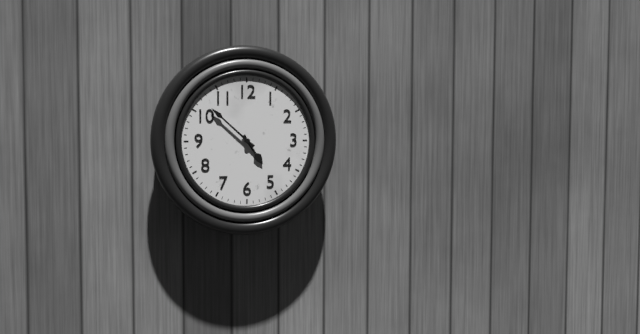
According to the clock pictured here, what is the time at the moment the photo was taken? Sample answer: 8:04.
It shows 4:52
